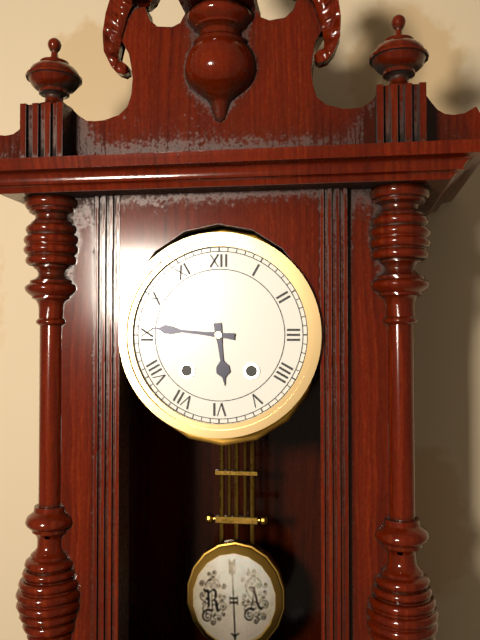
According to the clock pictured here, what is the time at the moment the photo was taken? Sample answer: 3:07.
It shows 5:46
